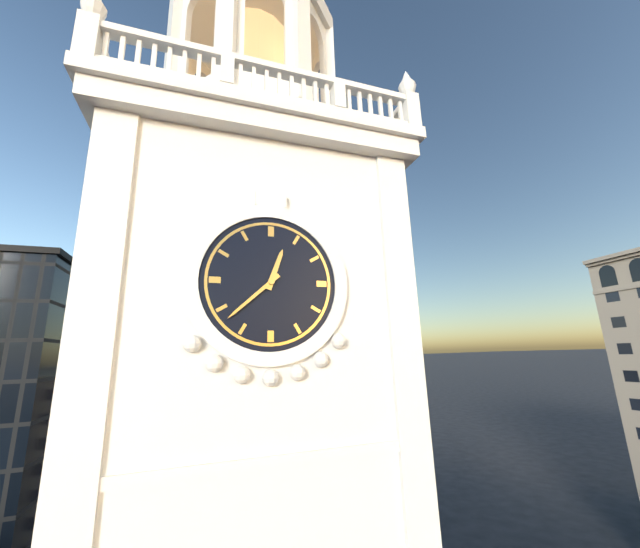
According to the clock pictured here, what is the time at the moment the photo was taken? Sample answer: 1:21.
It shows 12:38
